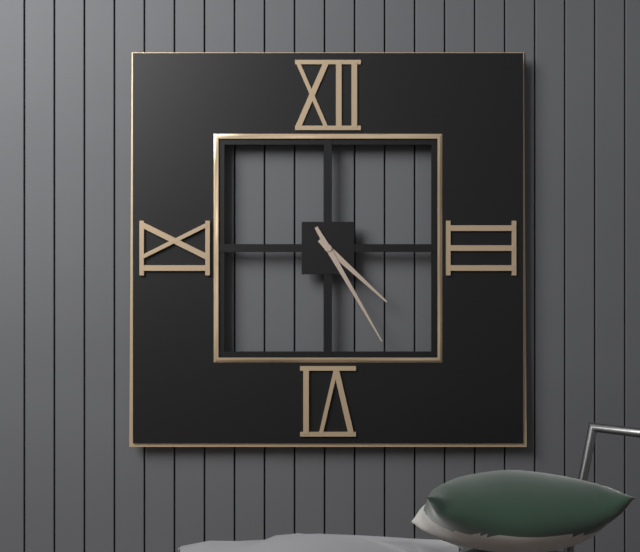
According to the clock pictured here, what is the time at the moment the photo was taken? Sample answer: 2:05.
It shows 4:25
